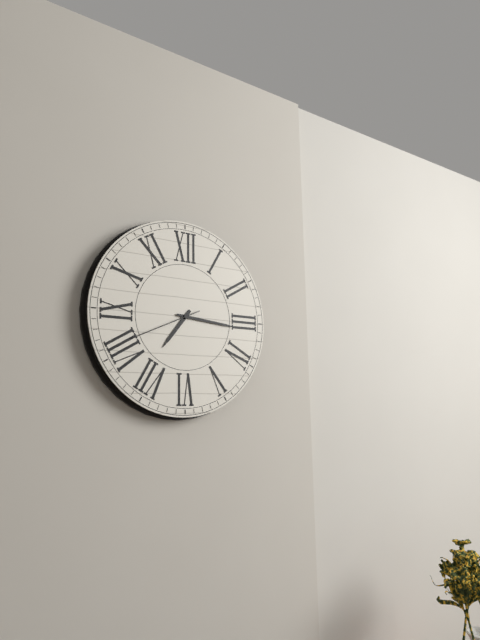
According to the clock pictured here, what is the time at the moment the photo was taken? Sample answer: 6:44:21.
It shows 7:16:41
